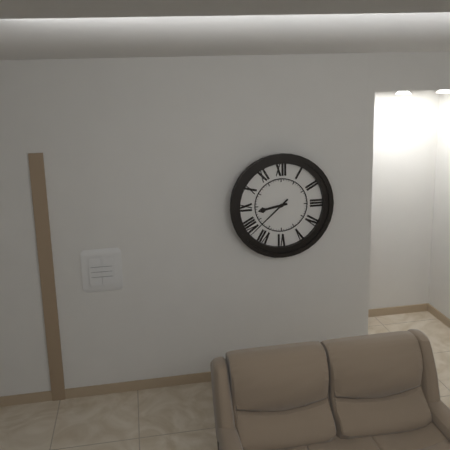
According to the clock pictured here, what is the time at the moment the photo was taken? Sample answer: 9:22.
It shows 8:38
